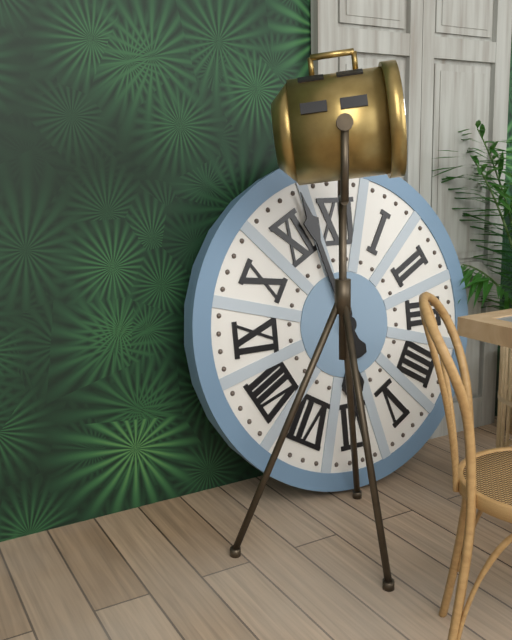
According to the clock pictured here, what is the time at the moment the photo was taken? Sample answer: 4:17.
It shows 5:57
